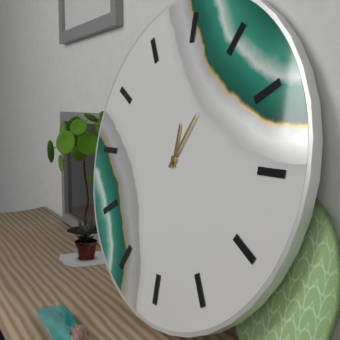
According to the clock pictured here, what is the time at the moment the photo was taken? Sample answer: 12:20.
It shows 12:05
